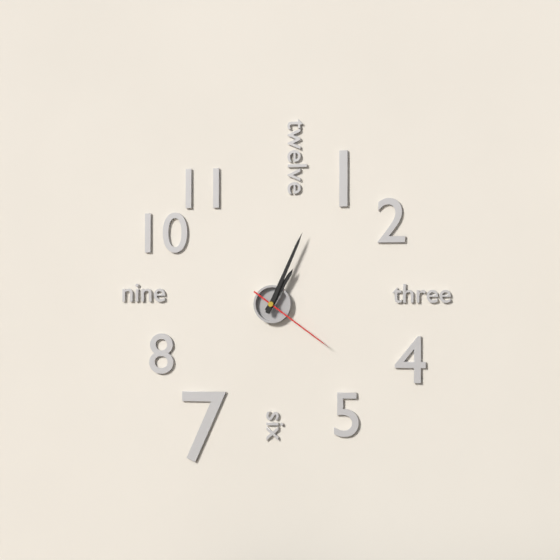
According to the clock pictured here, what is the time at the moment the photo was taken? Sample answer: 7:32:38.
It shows 1:04:21
